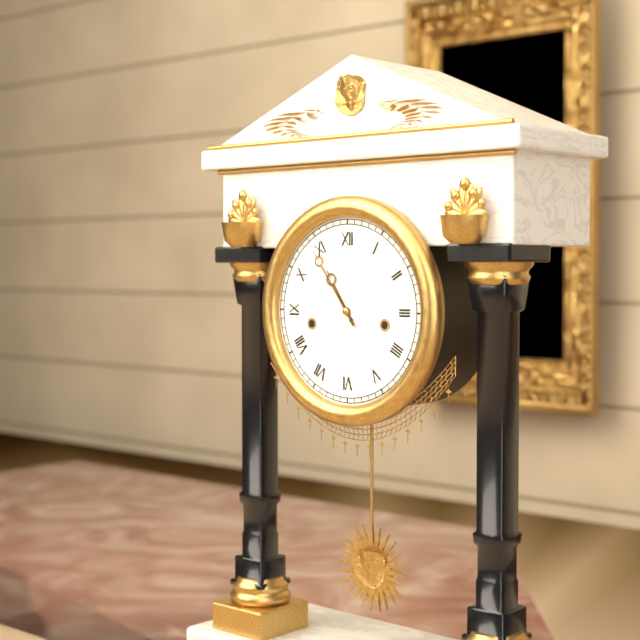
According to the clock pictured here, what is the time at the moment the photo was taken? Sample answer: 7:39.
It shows 10:54
